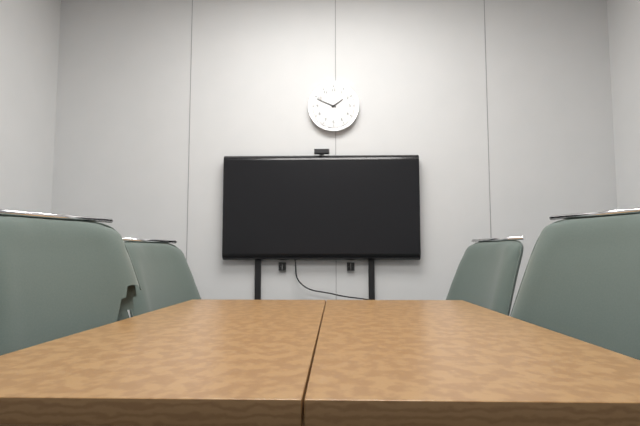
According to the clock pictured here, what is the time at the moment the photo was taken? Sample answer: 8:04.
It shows 1:49
